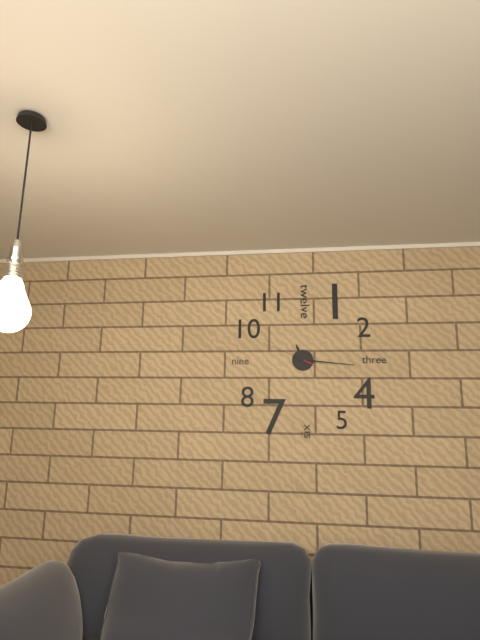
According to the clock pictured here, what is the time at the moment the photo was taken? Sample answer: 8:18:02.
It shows 11:16:49
